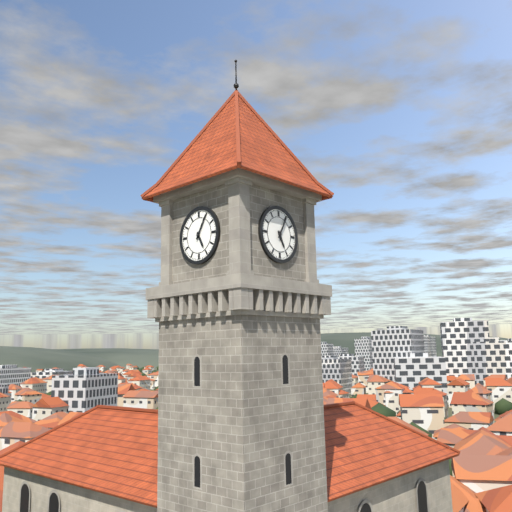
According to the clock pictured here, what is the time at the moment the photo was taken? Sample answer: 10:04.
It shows 5:05
